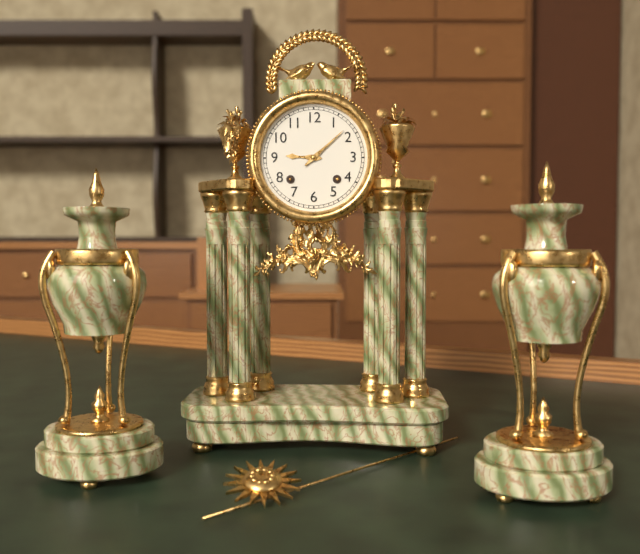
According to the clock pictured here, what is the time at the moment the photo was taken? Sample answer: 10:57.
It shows 9:08
